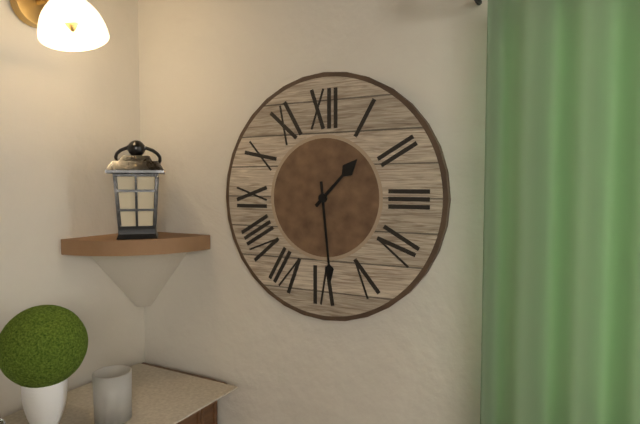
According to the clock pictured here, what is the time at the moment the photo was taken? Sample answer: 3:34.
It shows 1:29
